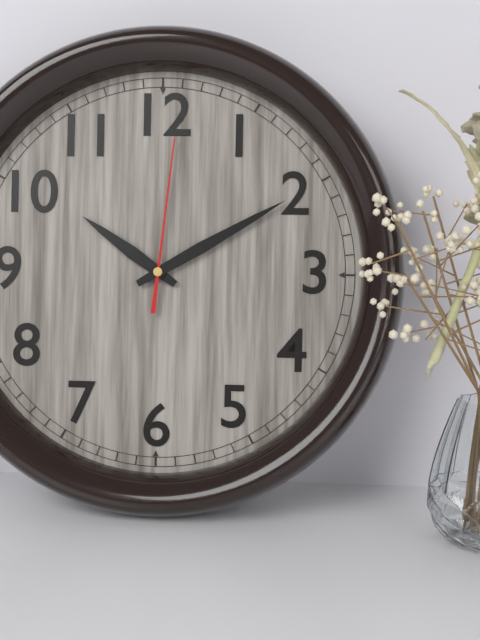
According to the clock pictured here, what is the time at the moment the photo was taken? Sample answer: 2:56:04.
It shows 10:10:01
